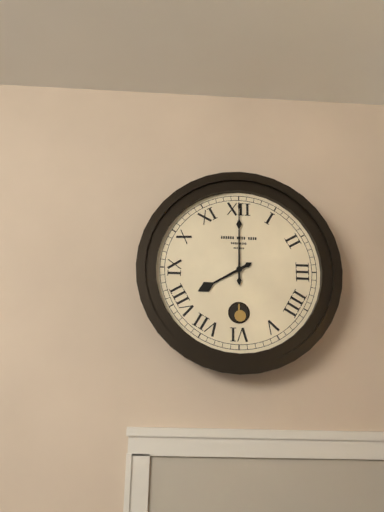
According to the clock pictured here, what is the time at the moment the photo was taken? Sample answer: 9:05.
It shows 8:00
